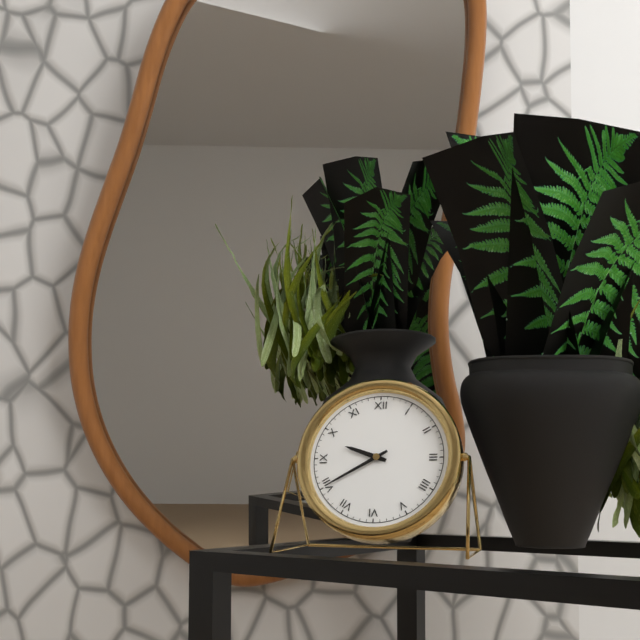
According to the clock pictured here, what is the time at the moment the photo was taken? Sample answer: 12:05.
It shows 9:40
